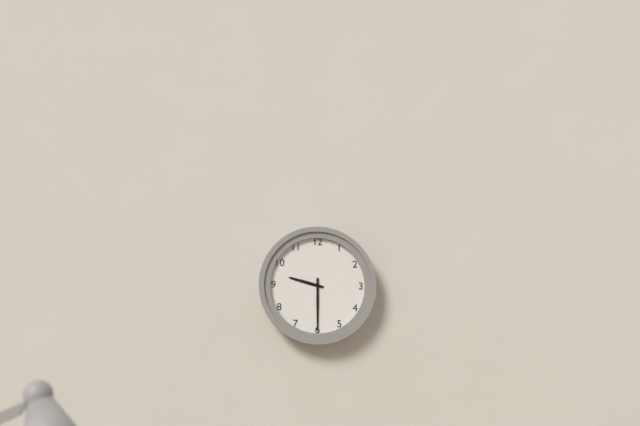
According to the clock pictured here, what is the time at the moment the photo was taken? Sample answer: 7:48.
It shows 9:30
